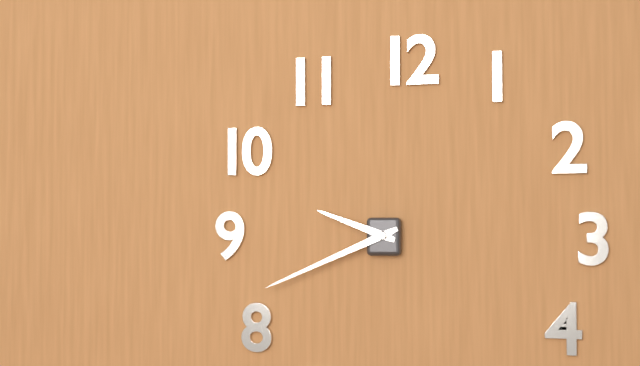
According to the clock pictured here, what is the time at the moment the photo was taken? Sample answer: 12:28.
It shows 9:41
